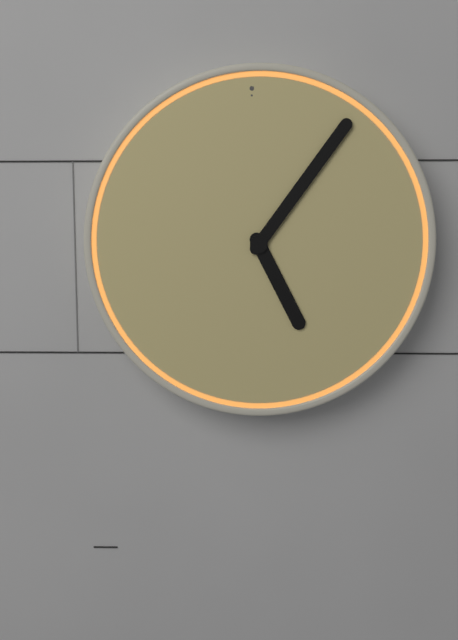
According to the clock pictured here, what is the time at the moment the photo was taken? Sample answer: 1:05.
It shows 5:06
